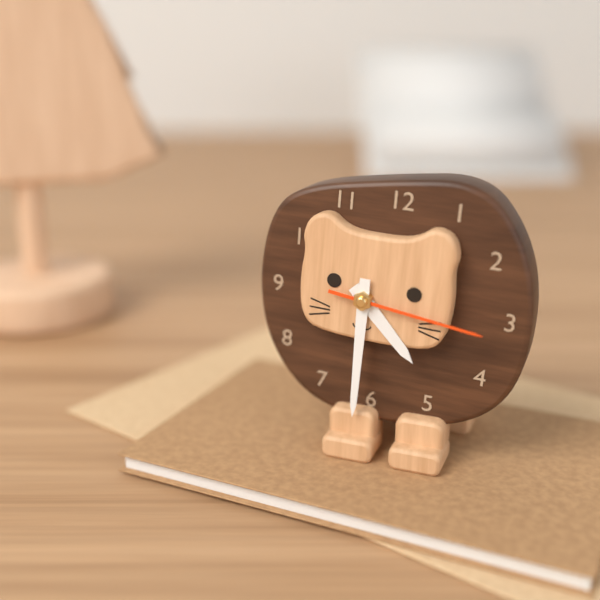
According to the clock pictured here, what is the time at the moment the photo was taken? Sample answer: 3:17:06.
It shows 4:30:16
